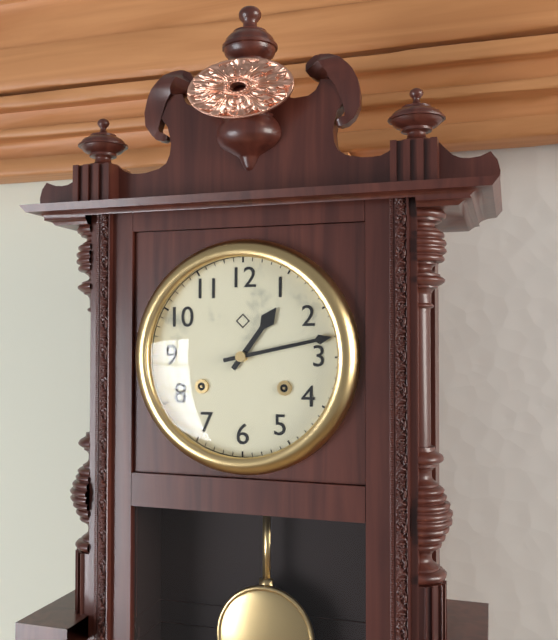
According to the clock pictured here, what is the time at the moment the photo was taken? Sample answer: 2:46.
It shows 1:13
